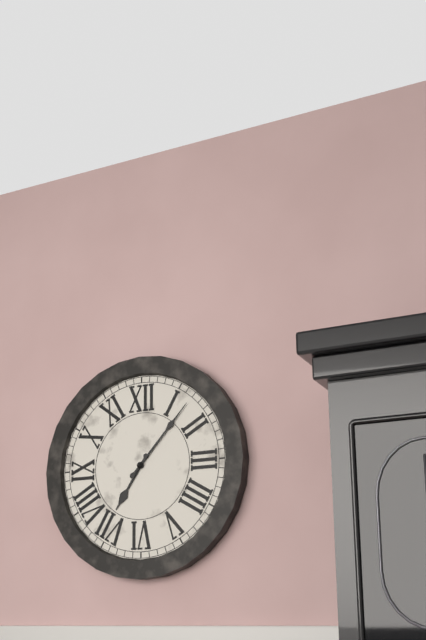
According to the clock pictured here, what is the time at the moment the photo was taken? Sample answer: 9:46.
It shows 7:07
